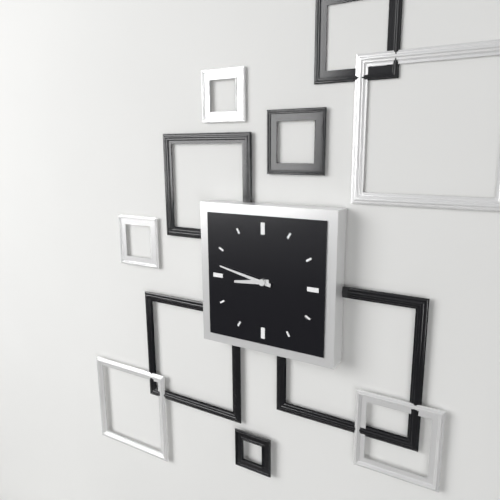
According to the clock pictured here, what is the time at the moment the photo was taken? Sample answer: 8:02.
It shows 8:47
